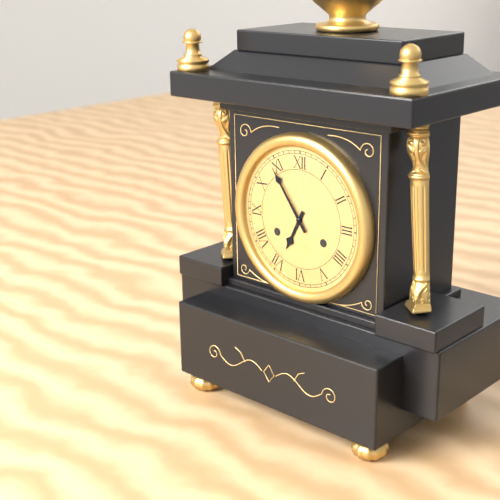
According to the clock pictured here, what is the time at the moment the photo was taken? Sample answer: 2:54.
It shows 6:54
